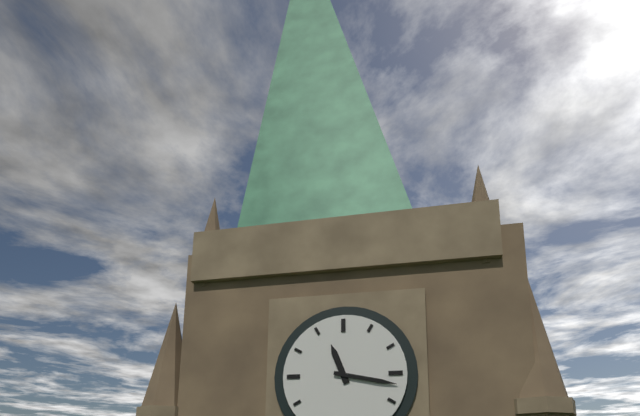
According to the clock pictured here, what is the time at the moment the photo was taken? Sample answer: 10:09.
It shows 11:17
